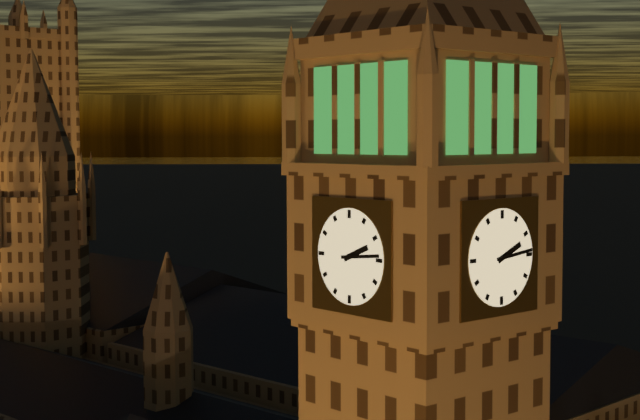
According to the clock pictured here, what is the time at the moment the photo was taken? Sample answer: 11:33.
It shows 2:14
